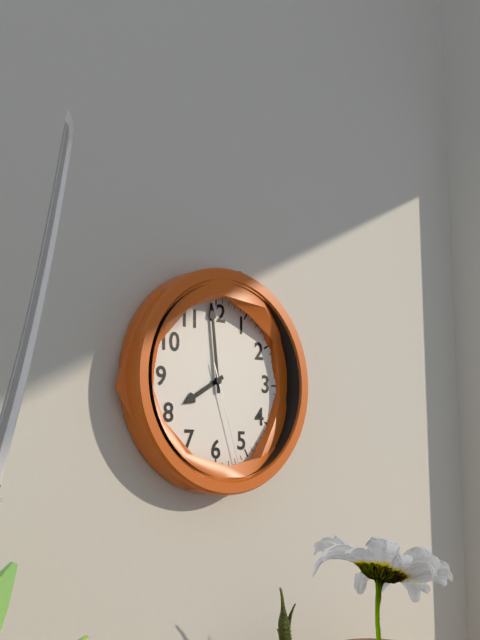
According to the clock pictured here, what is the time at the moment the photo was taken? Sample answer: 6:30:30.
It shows 7:59:27
